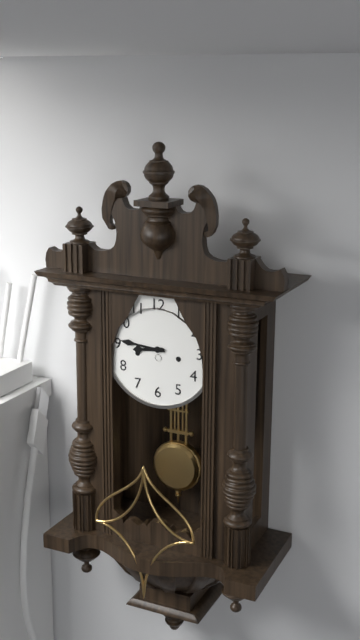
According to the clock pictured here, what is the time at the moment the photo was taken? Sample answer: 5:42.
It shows 8:46
